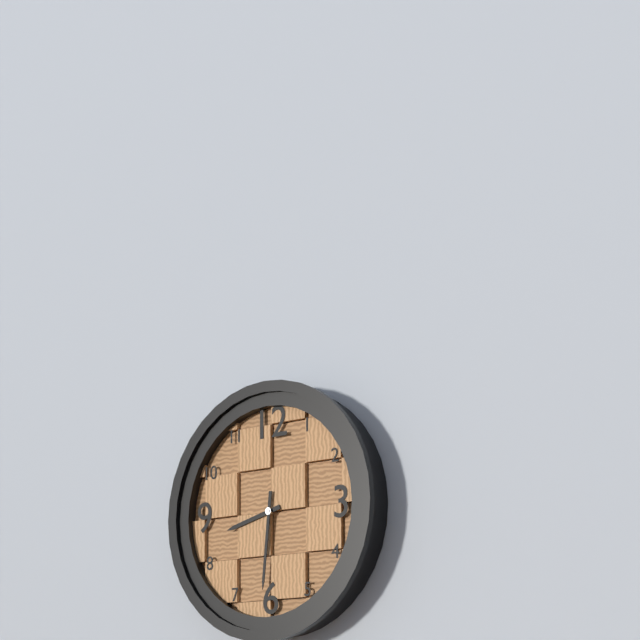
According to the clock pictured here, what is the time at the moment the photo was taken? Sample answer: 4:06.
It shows 8:31
